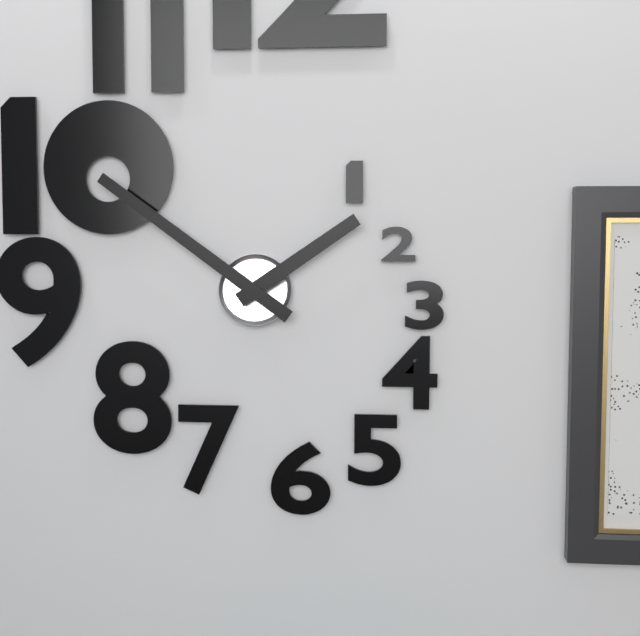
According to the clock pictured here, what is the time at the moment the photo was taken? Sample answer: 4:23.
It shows 1:51
